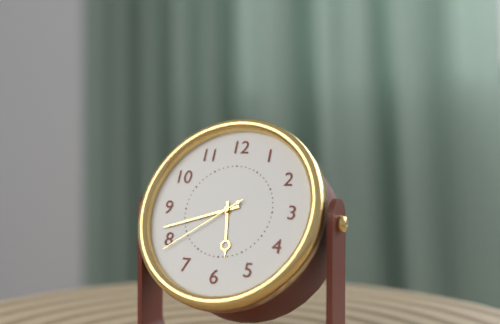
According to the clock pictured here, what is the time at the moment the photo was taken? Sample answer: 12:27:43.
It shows 5:42:39
